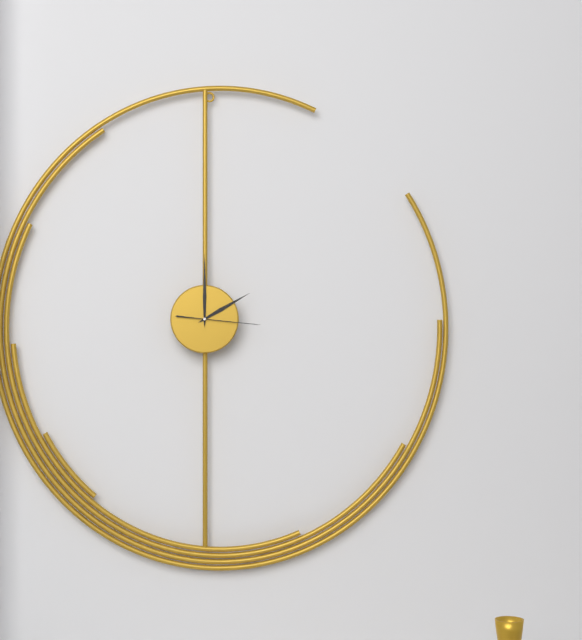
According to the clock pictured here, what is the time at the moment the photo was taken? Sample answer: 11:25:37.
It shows 2:00:16
